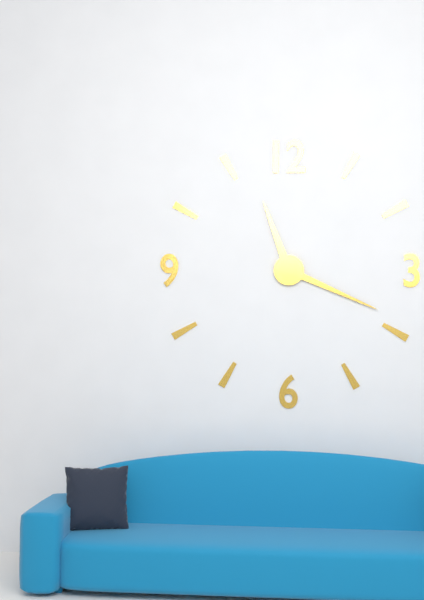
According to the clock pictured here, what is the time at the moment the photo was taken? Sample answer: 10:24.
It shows 11:19
